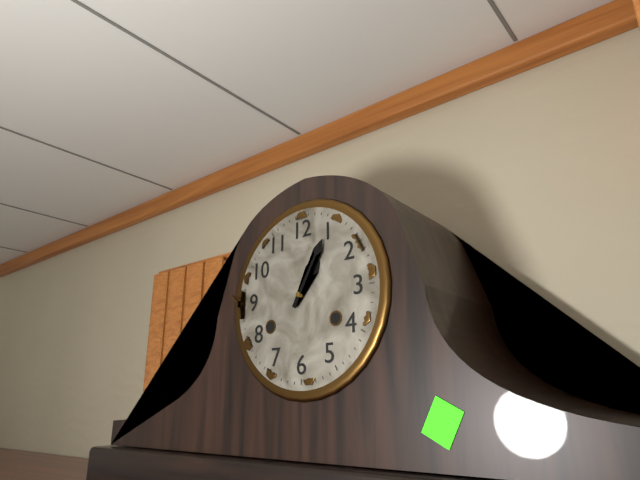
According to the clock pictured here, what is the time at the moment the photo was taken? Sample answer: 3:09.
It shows 1:05
